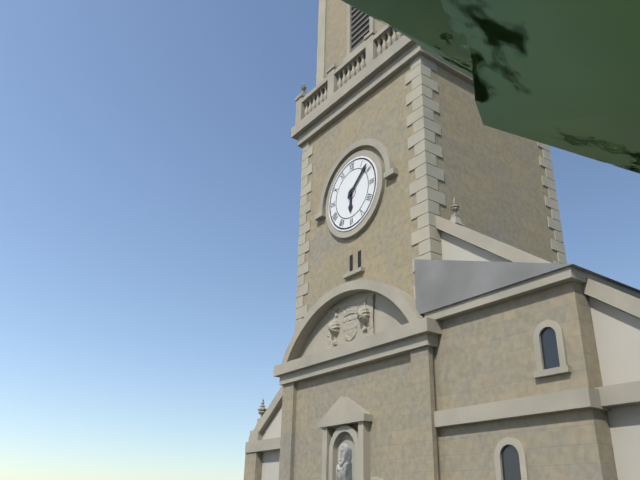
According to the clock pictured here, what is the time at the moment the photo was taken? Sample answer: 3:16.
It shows 6:08
